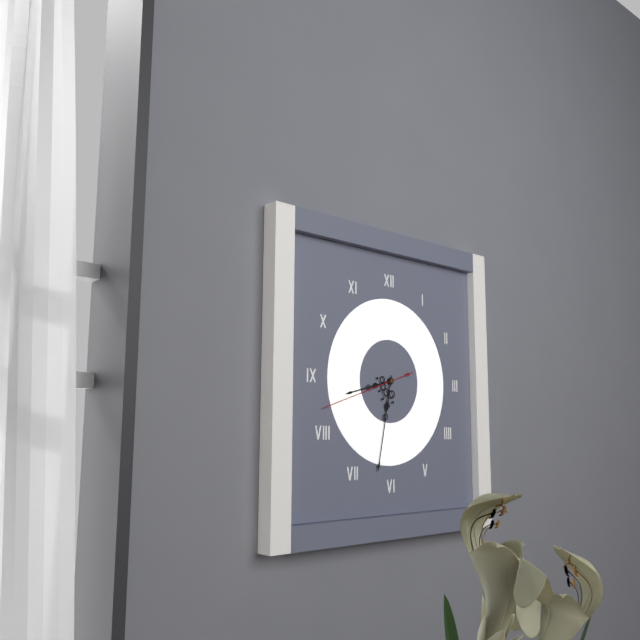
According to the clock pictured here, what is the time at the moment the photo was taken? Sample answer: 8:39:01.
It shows 8:32:42
